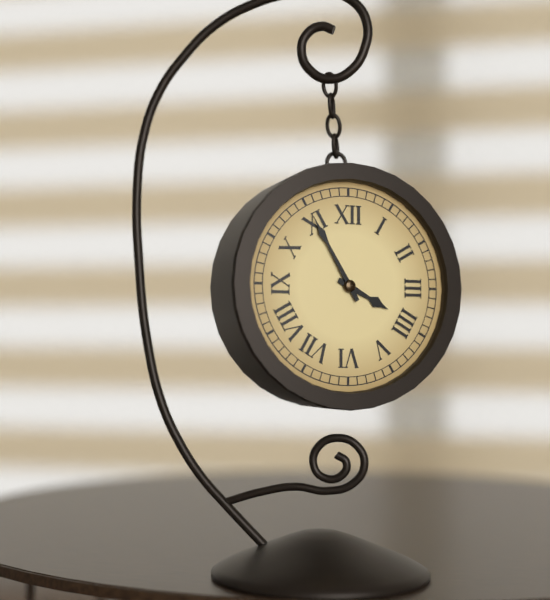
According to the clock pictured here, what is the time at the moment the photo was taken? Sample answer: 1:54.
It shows 3:55
